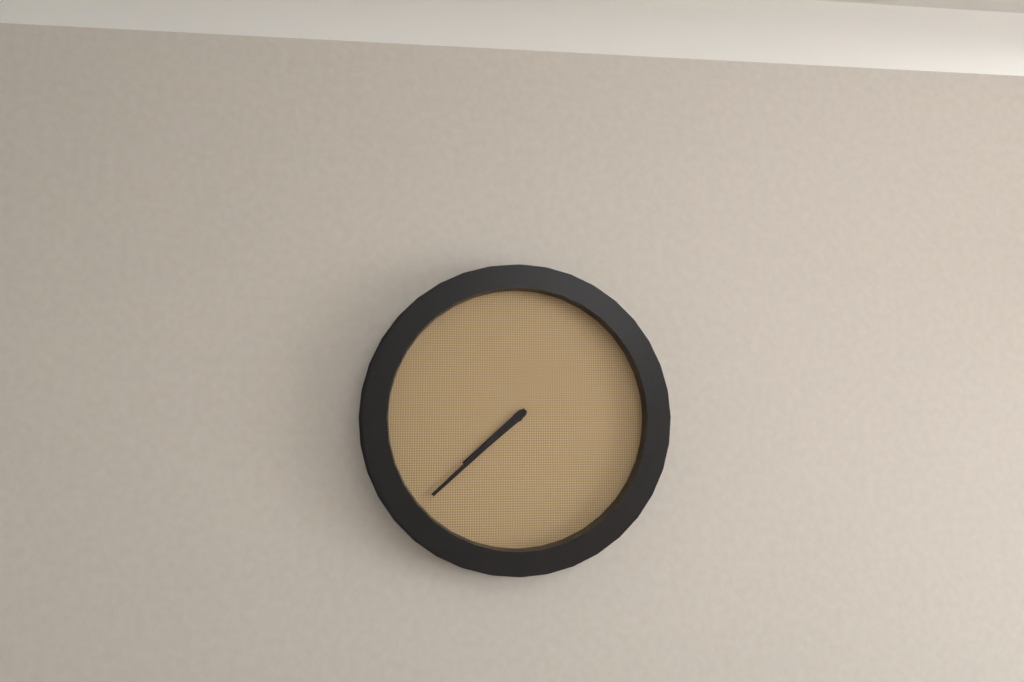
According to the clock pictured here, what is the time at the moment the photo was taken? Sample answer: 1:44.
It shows 7:38
